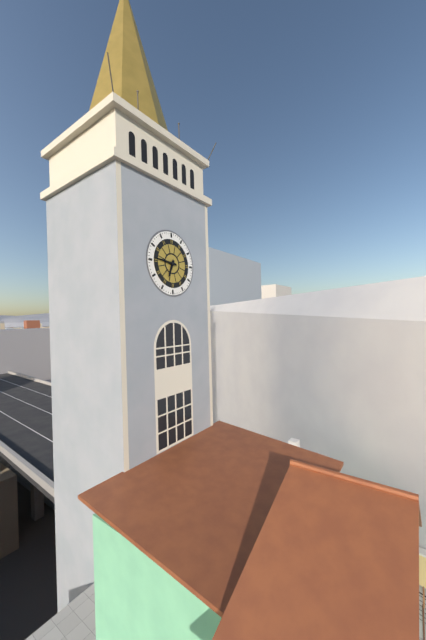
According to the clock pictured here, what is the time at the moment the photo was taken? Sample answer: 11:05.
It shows 6:46
